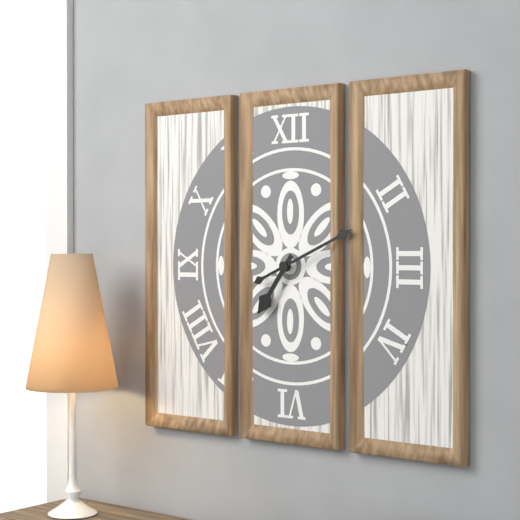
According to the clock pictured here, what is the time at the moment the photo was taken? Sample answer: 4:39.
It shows 7:11
